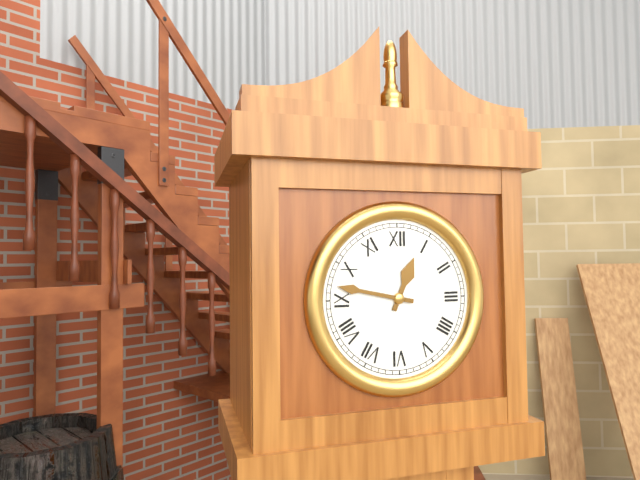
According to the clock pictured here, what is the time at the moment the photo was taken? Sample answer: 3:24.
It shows 12:47
